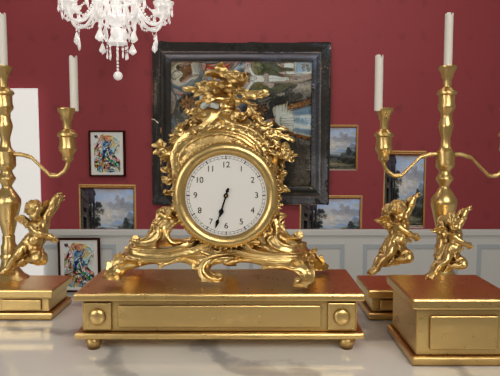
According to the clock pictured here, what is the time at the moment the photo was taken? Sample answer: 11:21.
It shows 6:33
